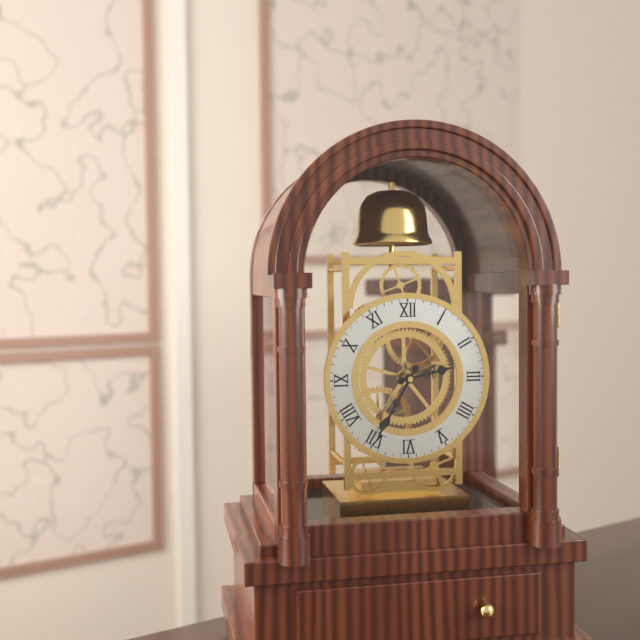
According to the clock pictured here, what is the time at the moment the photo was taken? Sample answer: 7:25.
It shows 2:35
